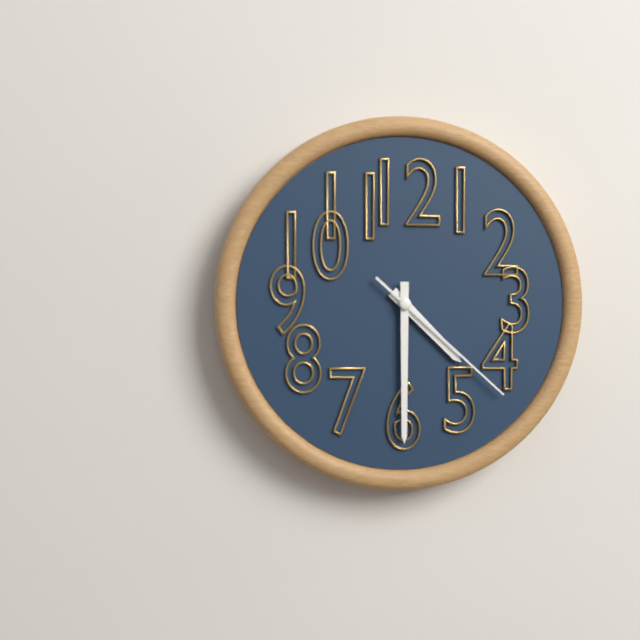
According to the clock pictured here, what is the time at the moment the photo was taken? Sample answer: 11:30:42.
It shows 4:30:22
